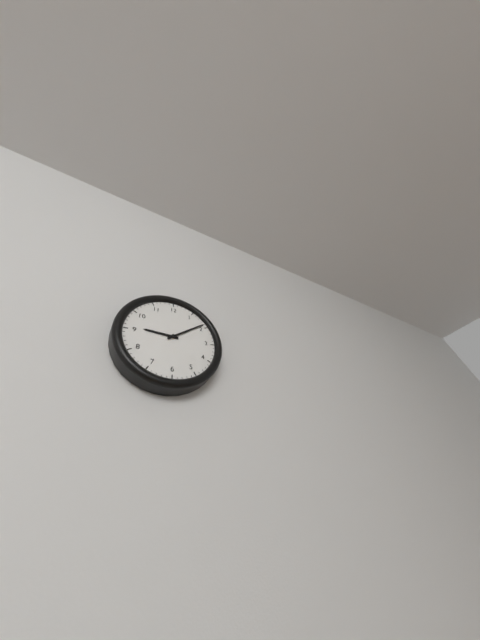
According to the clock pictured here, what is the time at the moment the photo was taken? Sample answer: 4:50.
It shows 9:09
